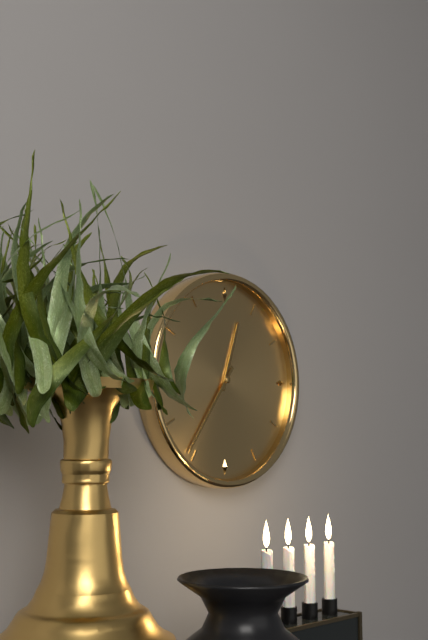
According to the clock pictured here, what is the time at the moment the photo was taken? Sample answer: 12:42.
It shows 12:36
